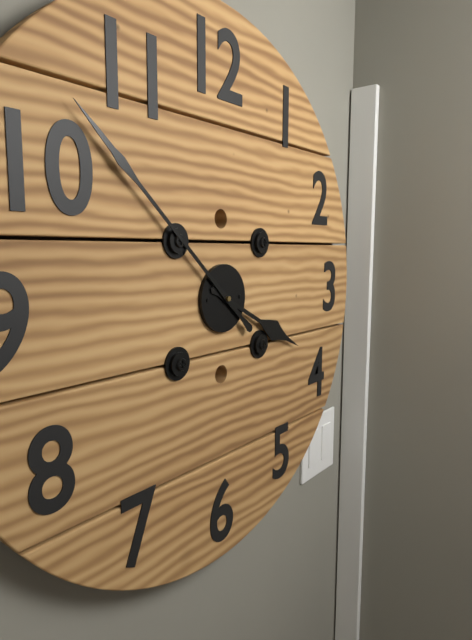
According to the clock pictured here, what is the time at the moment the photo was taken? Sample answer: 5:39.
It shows 3:52
